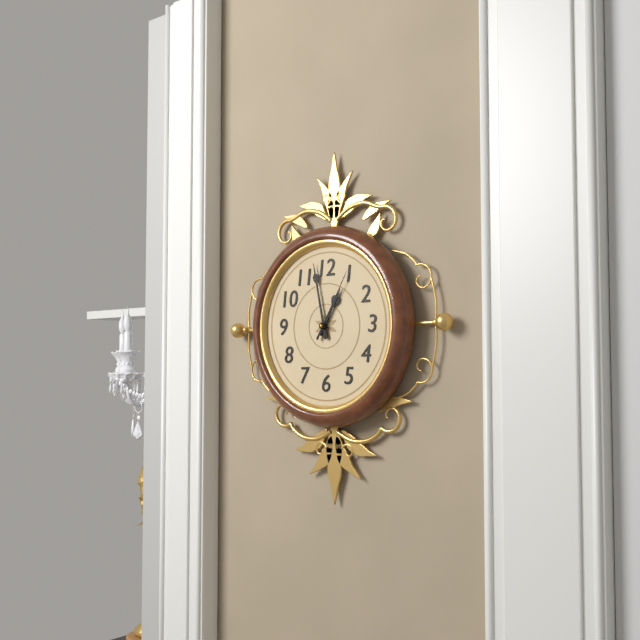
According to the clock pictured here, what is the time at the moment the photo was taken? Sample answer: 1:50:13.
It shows 12:58:05
